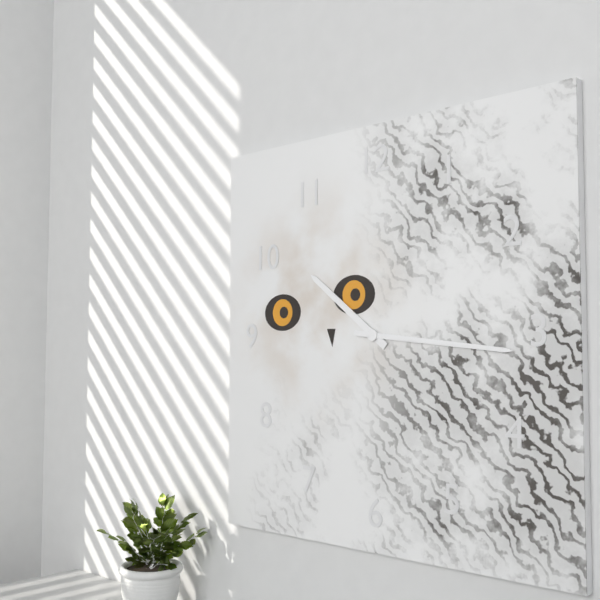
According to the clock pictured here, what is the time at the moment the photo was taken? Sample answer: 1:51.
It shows 10:16
